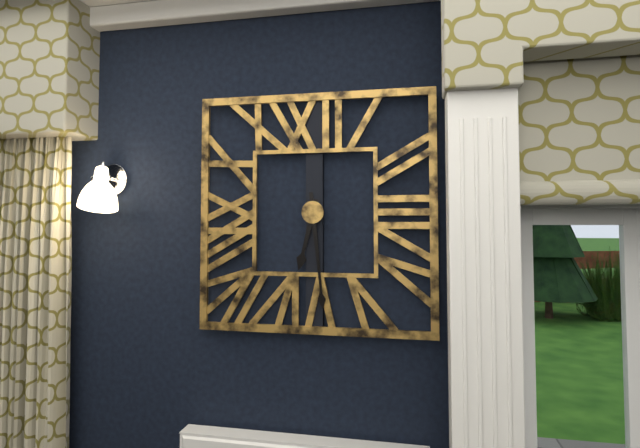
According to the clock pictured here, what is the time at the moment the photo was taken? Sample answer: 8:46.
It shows 6:29
